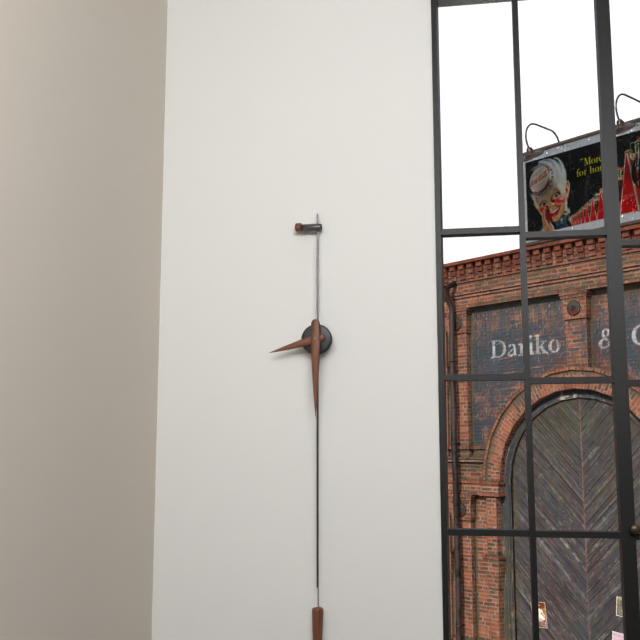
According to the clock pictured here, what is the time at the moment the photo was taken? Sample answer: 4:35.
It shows 8:30
